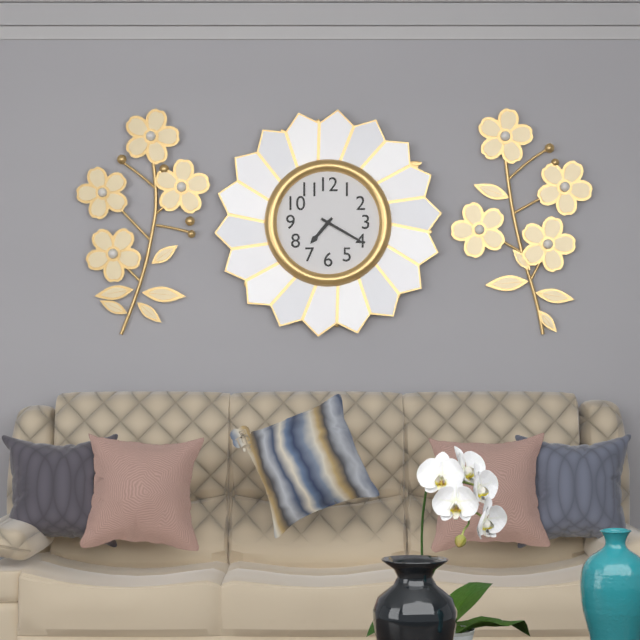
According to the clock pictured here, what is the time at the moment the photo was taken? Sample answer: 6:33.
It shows 7:20
